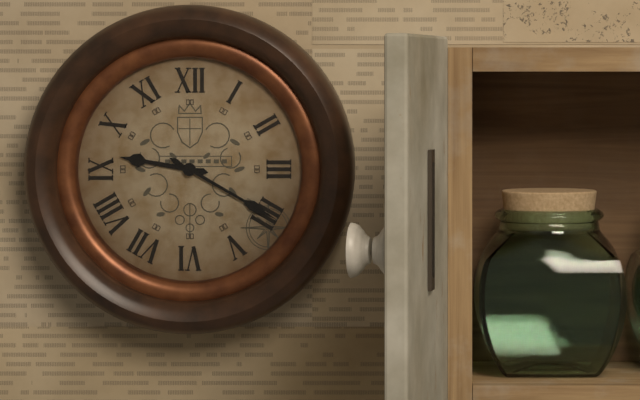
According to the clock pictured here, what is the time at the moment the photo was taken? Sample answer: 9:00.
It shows 9:20
